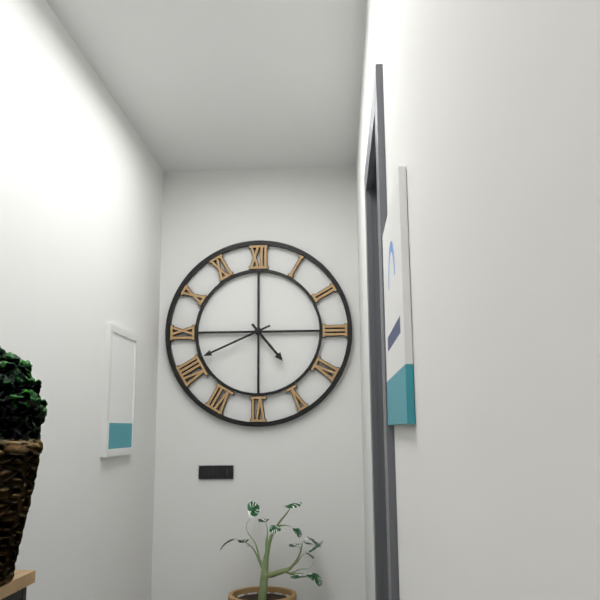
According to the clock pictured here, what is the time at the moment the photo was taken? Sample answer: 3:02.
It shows 4:41
